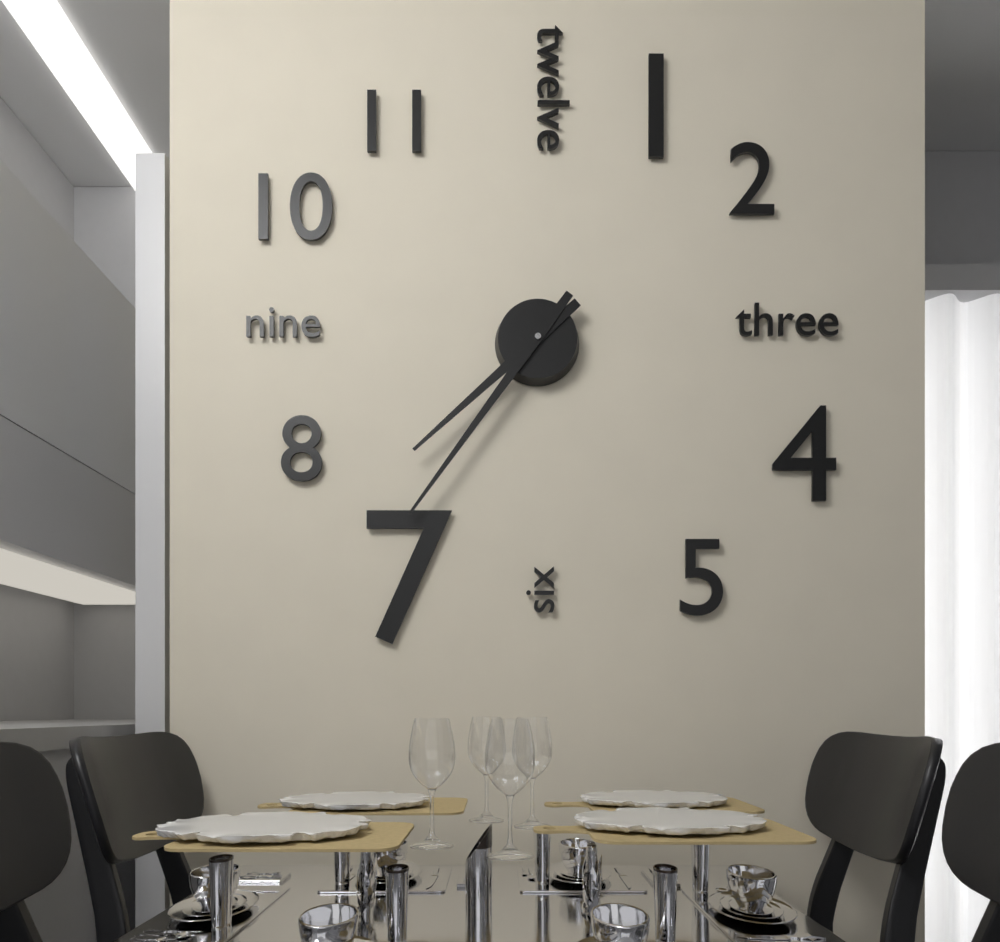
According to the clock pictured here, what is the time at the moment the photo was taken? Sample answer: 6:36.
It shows 7:36
